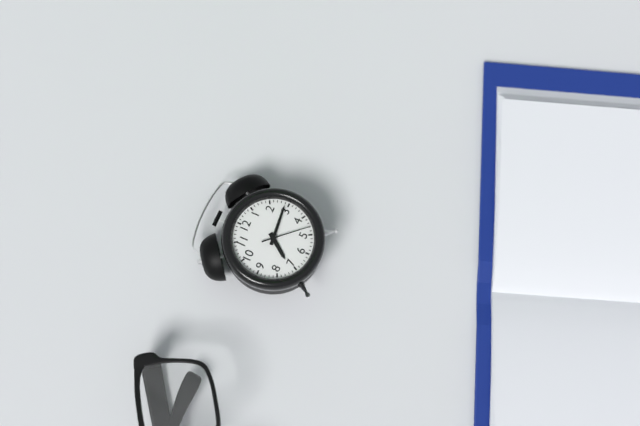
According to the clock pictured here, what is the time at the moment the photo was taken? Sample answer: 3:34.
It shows 7:14
